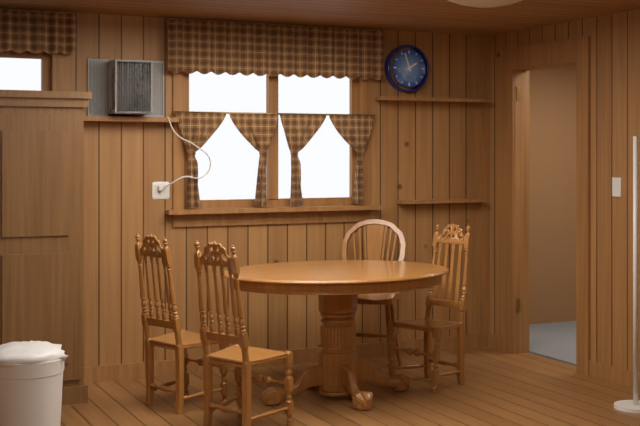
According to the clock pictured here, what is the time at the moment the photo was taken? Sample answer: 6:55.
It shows 1:57
